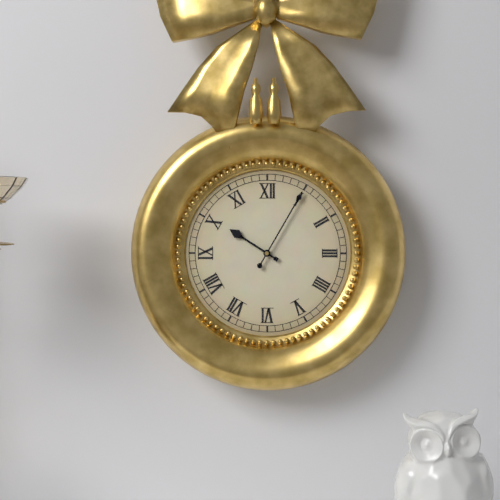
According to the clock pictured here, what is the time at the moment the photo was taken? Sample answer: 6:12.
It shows 10:05
